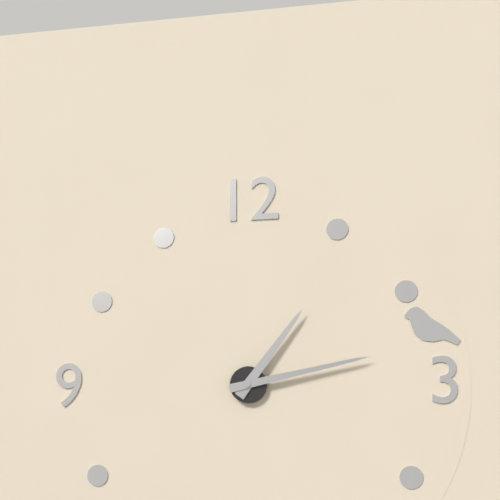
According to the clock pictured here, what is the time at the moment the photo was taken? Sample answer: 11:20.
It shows 1:13
